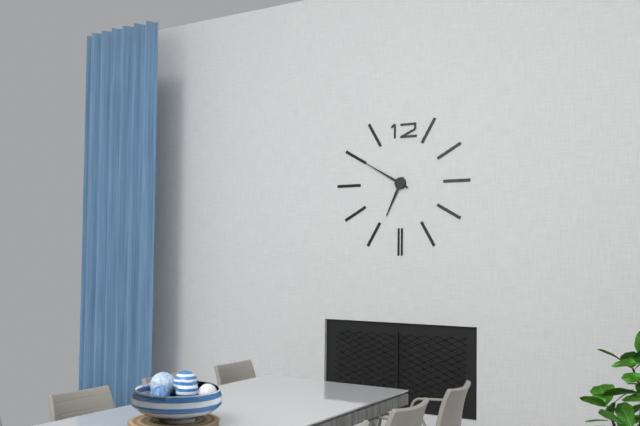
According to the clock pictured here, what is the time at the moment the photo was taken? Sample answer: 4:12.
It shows 6:50
